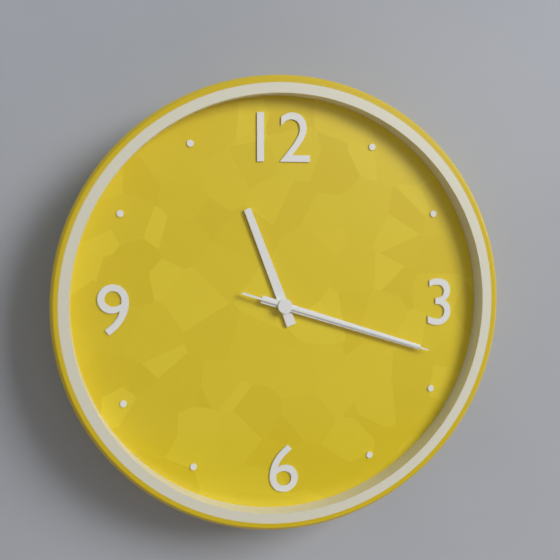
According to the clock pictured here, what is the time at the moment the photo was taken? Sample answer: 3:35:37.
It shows 11:18:18
